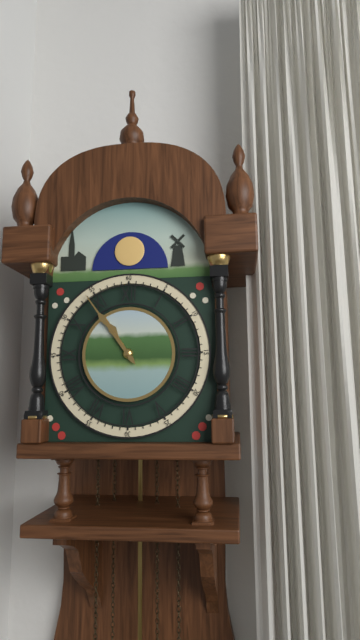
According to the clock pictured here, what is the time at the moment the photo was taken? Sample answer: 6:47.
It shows 10:54
